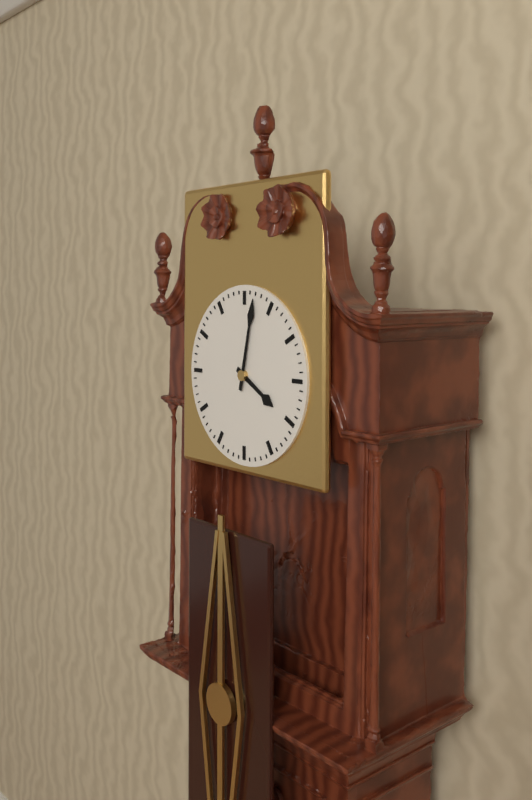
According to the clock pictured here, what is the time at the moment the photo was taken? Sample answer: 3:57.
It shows 4:02
